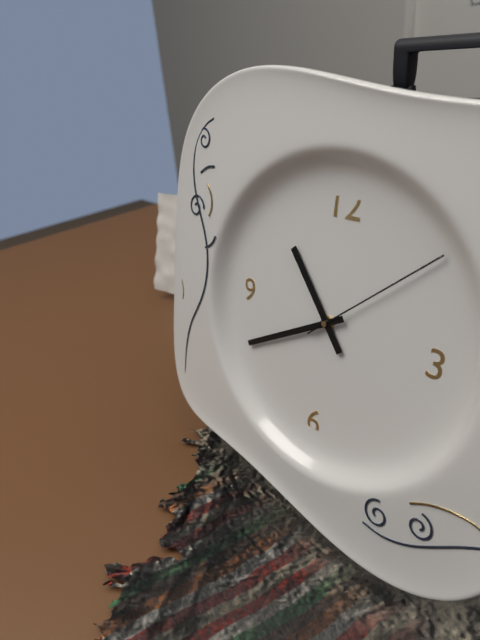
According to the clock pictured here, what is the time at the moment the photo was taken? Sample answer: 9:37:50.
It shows 10:40:08
